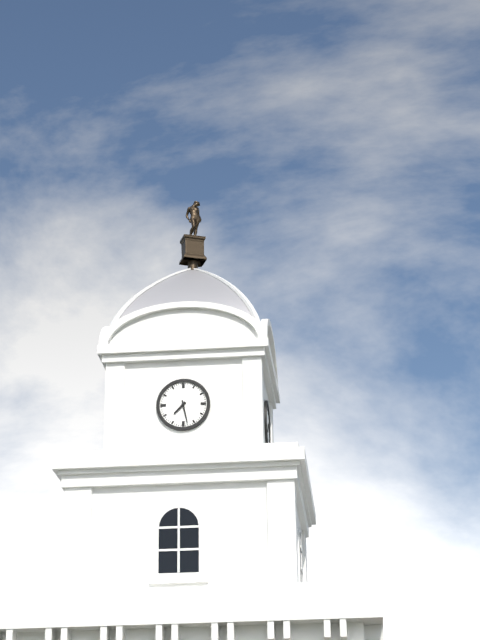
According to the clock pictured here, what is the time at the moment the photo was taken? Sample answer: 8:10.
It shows 7:28
